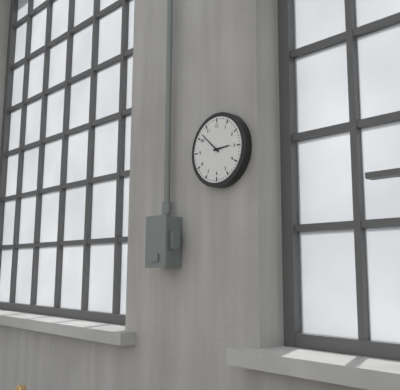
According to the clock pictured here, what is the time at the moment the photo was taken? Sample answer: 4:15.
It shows 2:52
